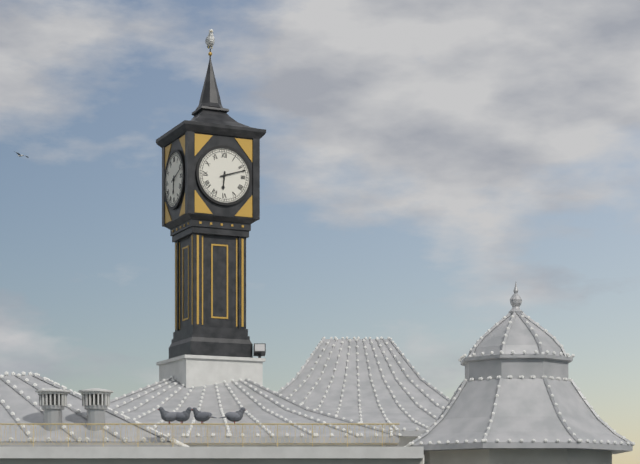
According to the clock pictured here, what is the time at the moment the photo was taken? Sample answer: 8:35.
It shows 6:12
